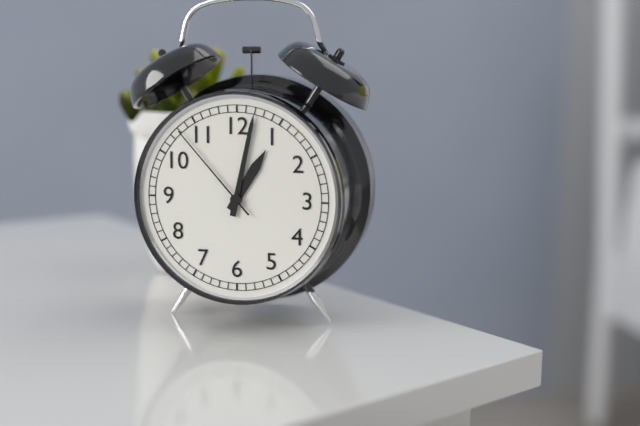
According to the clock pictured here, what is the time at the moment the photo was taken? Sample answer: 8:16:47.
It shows 1:02:53
